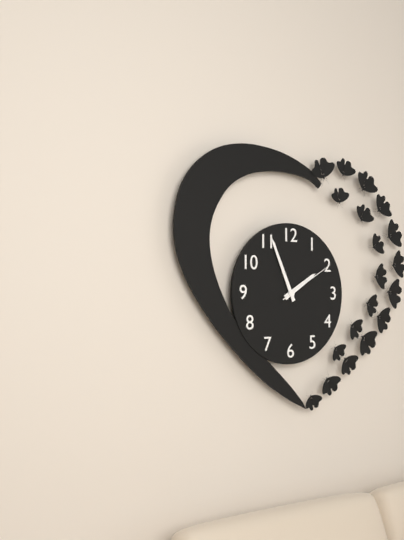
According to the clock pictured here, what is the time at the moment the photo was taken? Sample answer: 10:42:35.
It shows 1:56:10
